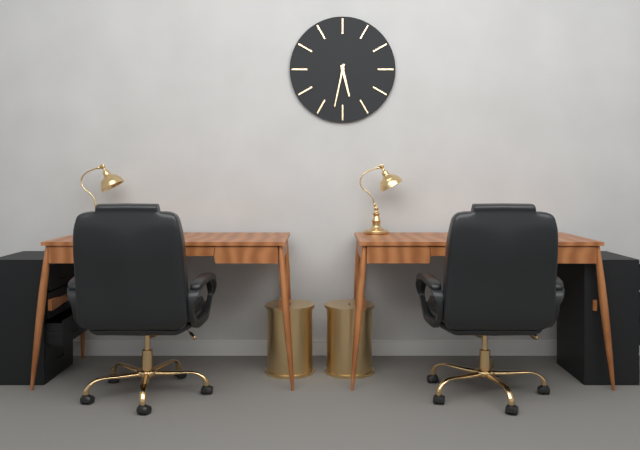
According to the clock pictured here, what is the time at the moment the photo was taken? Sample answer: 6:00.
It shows 5:32
